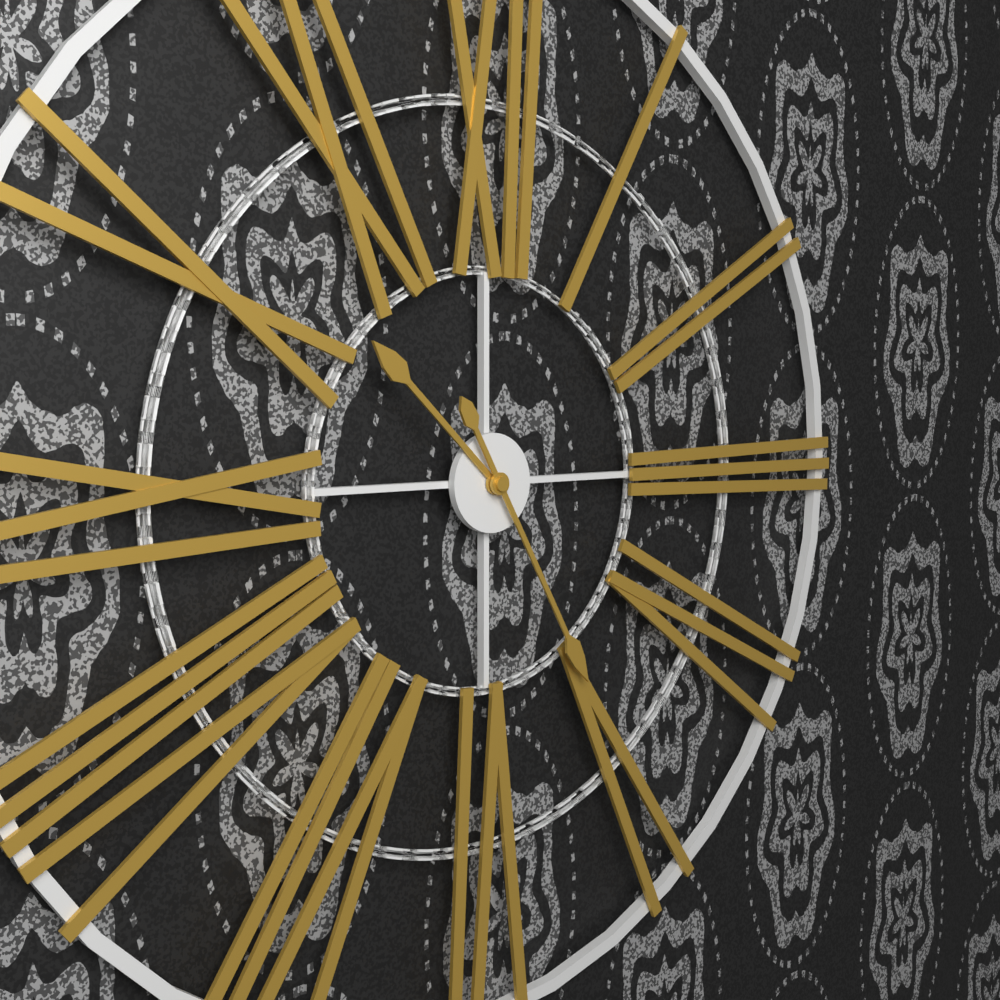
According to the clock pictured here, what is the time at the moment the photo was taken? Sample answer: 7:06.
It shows 10:25
